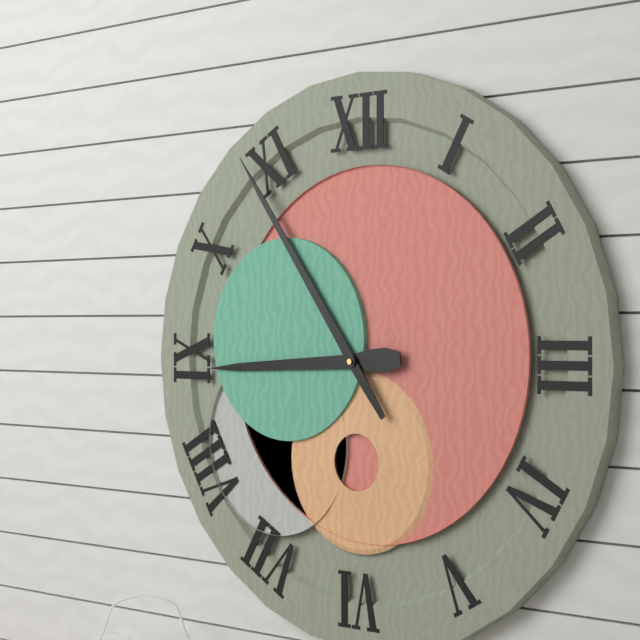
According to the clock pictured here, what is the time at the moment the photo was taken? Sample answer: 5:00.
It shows 8:54
